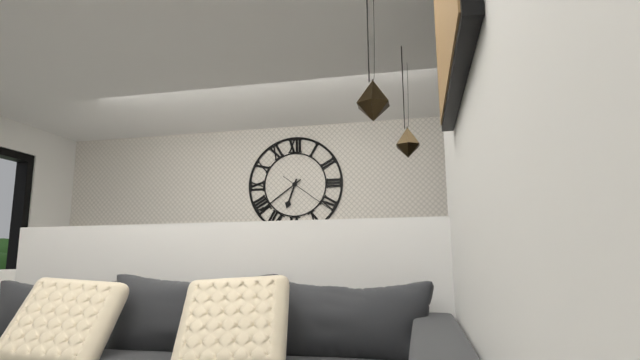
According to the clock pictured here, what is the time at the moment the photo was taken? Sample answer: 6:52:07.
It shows 6:39:21
